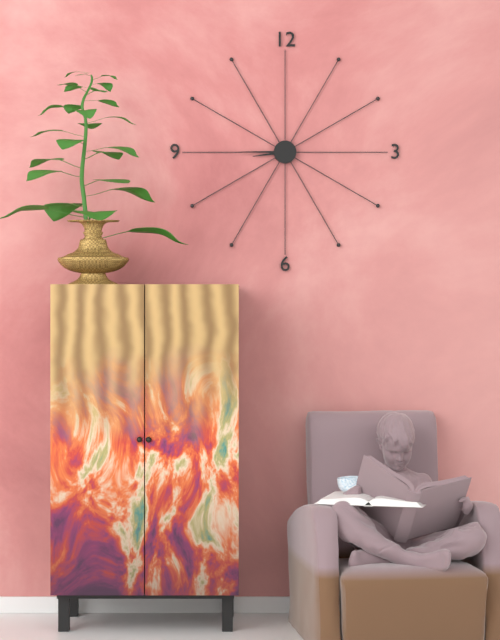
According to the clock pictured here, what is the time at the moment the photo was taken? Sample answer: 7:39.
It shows 8:45
